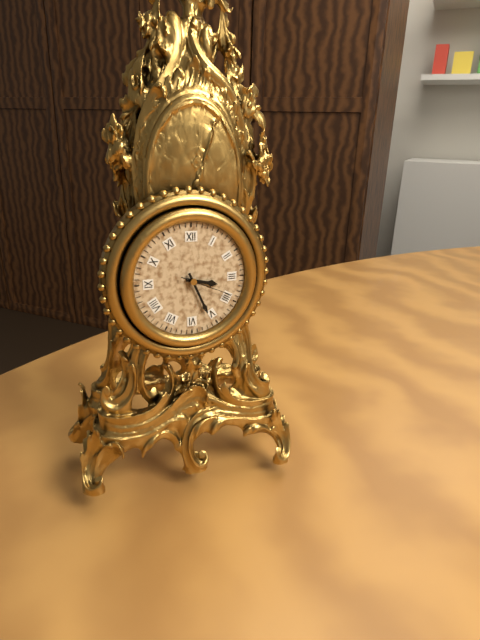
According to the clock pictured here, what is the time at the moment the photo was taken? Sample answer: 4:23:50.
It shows 3:26:19
